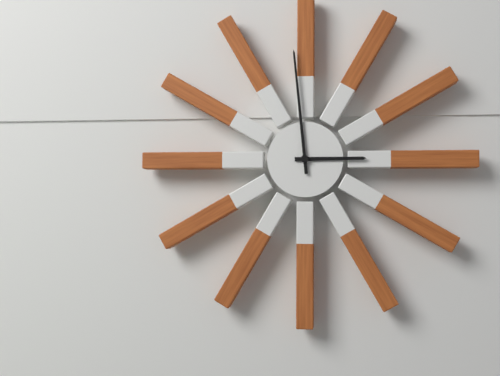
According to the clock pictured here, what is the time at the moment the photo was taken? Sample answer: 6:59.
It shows 2:59
